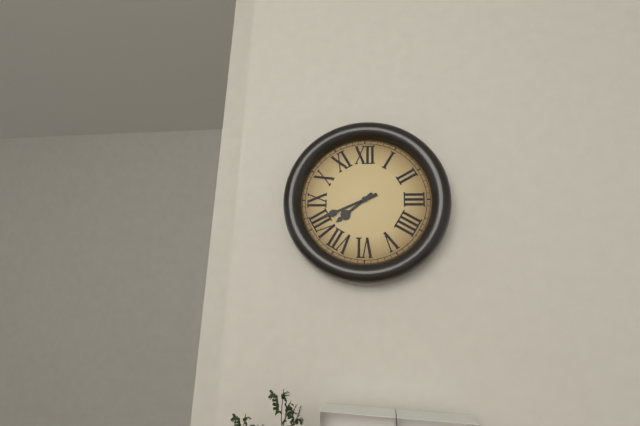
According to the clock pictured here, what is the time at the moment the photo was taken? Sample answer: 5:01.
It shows 7:41
